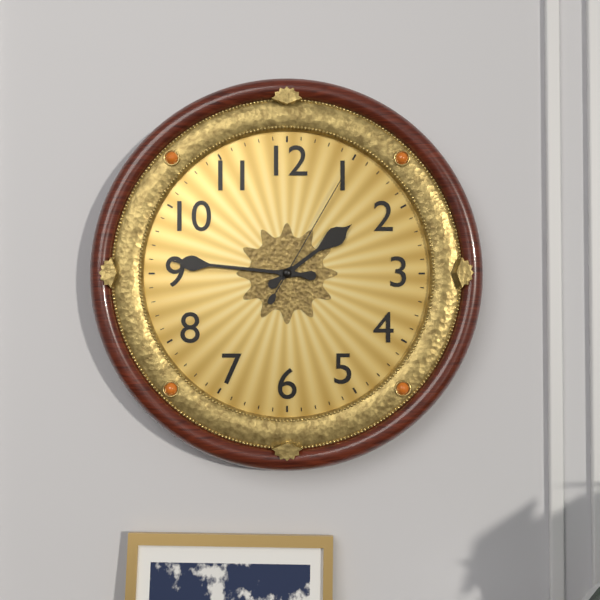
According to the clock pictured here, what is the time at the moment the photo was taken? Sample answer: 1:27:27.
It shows 1:46:05
